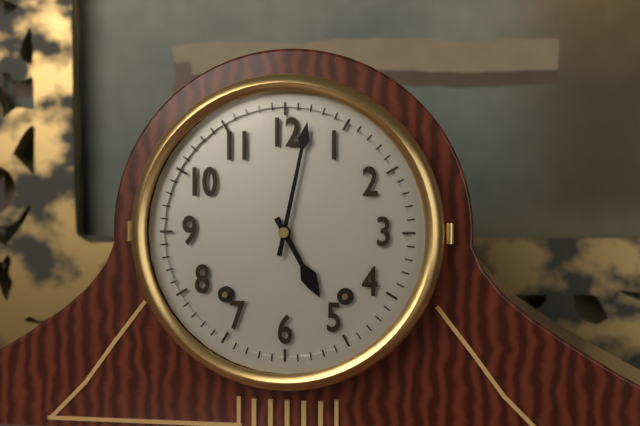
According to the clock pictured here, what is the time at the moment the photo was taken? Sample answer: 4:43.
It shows 5:02
